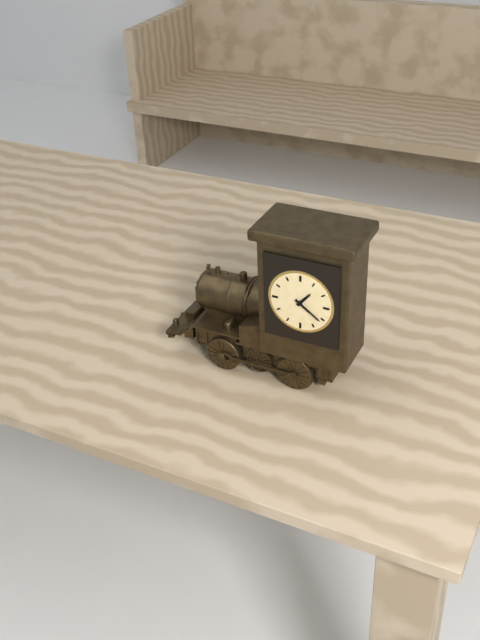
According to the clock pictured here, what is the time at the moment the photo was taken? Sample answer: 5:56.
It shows 1:21
